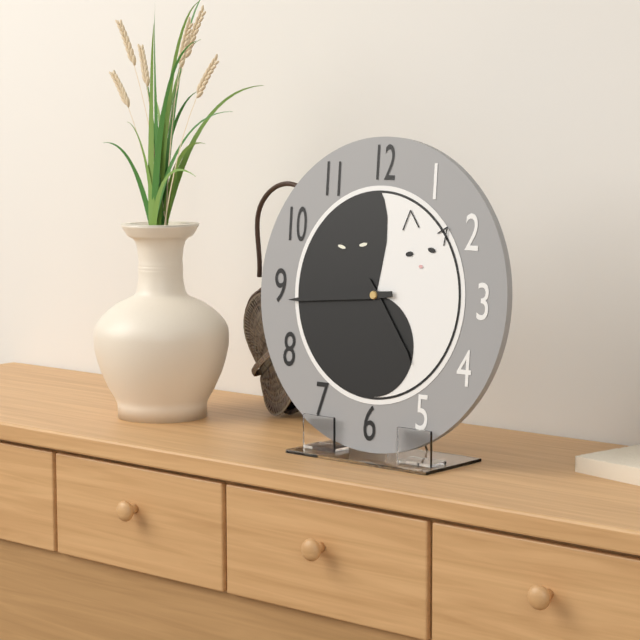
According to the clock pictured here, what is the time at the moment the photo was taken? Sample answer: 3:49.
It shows 4:44
